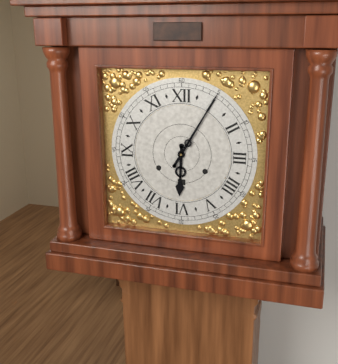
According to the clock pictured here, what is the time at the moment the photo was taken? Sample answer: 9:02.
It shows 6:05
